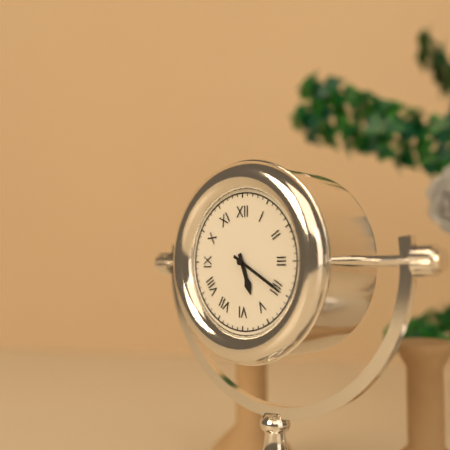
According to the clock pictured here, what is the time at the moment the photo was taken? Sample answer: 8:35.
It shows 5:20
